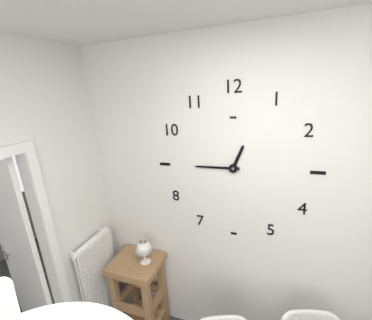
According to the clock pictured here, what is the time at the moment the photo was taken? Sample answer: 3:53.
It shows 12:45
